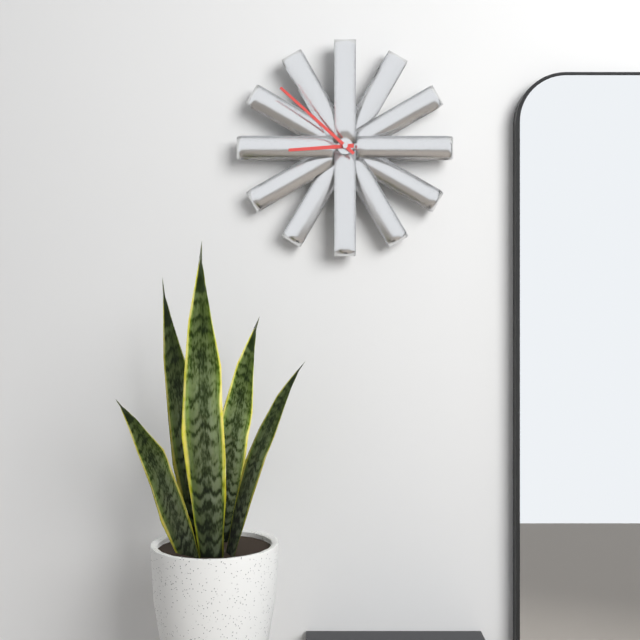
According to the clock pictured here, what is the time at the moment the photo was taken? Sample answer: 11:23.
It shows 8:52
